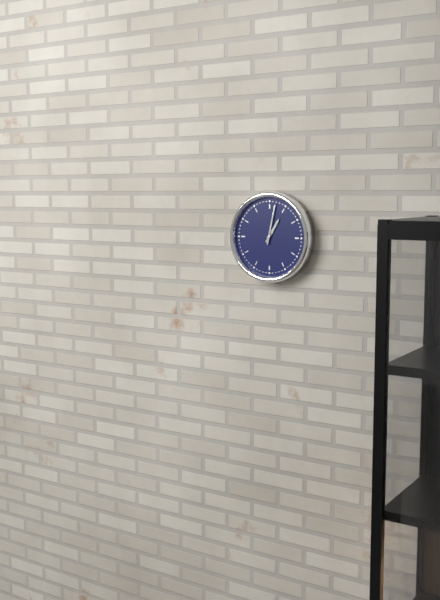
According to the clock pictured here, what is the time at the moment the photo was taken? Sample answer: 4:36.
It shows 1:02
